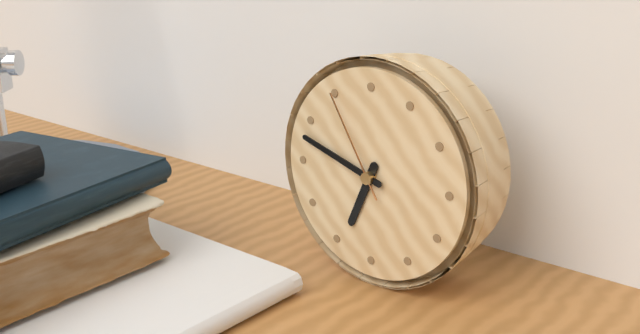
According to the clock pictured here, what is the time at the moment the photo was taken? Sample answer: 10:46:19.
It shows 6:48:55
